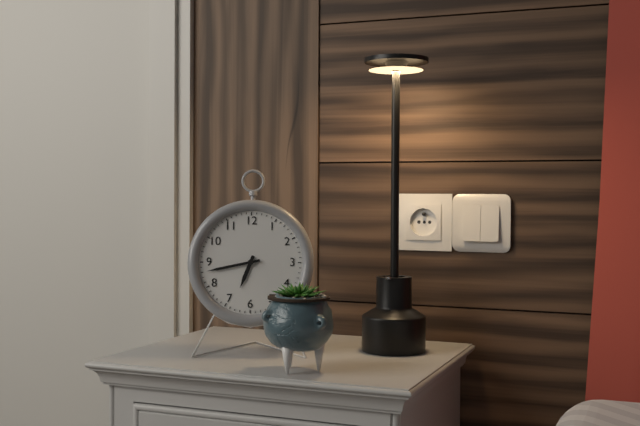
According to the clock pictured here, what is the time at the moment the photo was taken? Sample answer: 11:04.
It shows 6:43
